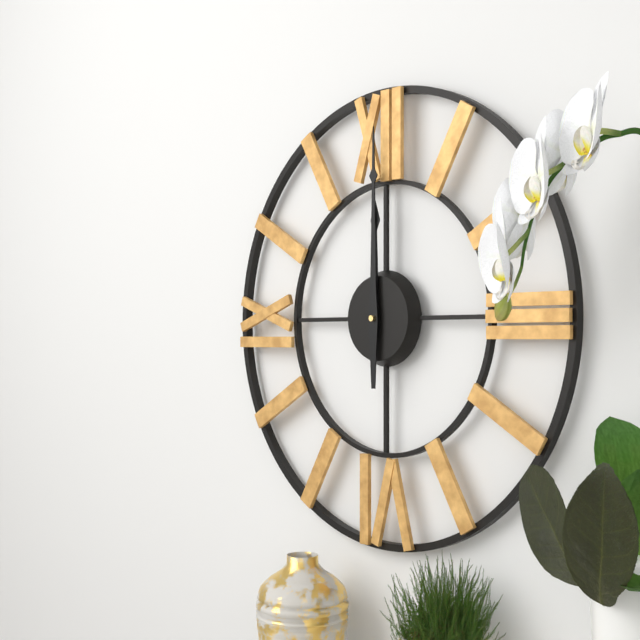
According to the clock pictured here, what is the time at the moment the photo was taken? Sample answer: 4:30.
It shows 12:00
